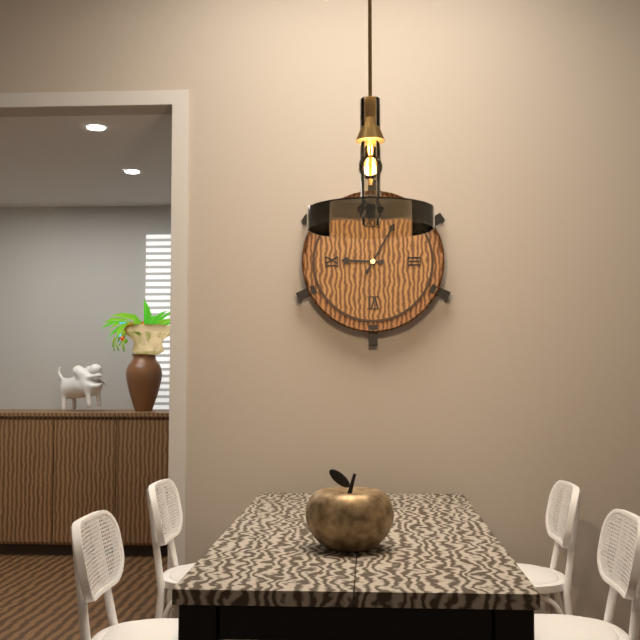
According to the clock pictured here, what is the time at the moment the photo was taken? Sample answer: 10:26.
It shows 9:05
